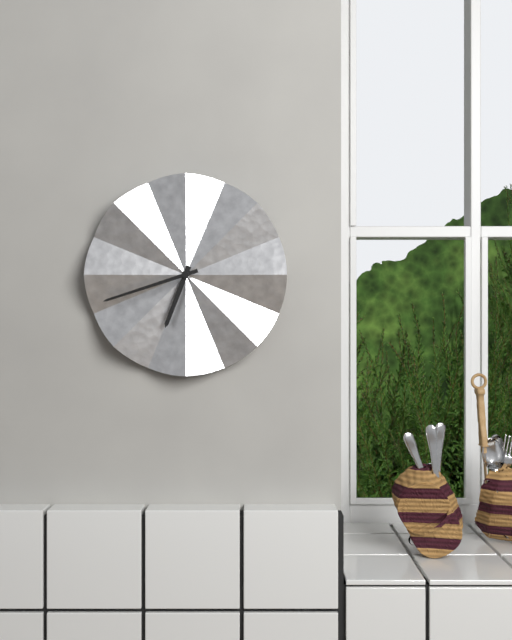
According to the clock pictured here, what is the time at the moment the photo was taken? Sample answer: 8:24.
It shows 6:42
